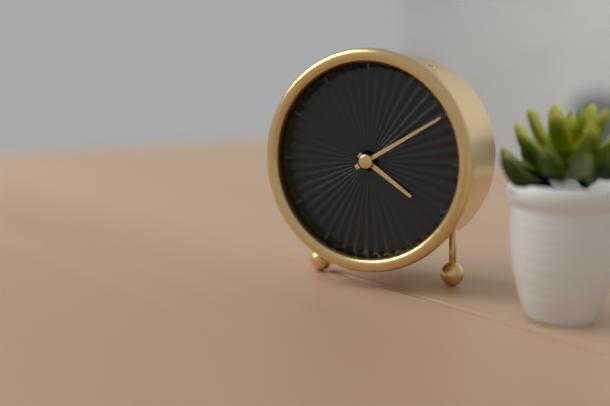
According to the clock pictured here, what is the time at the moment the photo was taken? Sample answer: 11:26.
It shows 4:10
